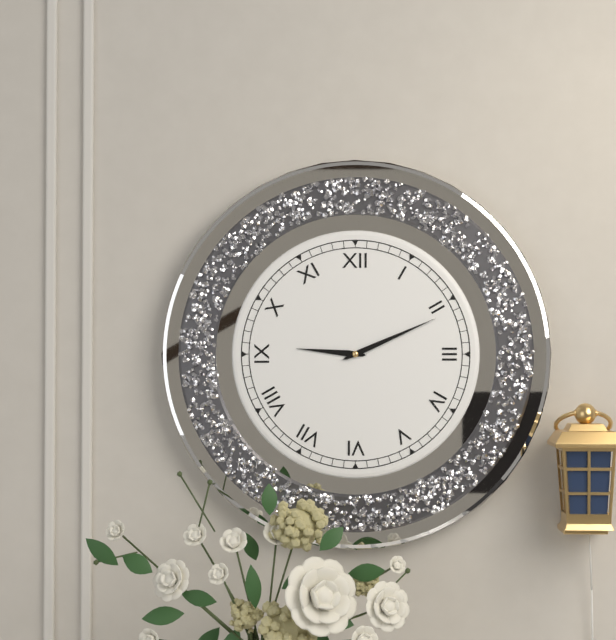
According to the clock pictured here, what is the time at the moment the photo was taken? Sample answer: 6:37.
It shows 9:11
